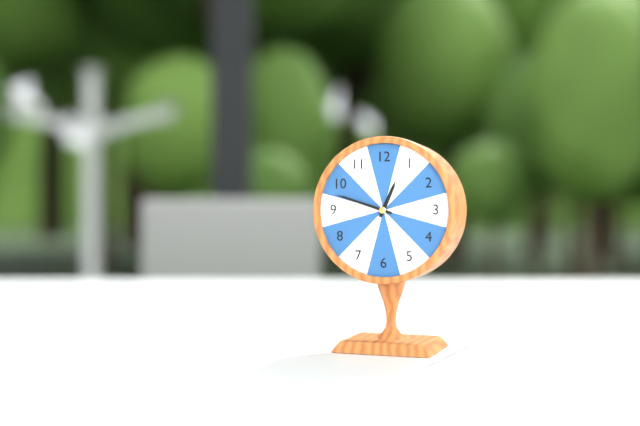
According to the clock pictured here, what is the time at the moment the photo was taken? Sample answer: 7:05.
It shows 12:48
